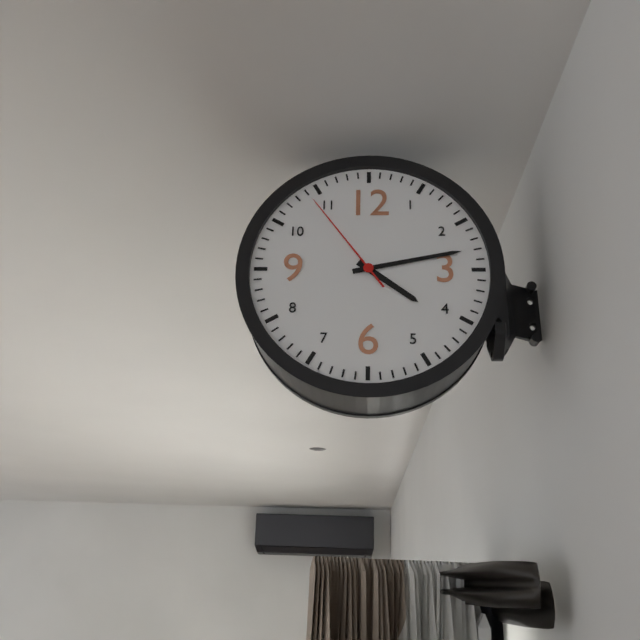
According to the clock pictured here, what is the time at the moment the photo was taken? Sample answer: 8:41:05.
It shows 4:13:54
